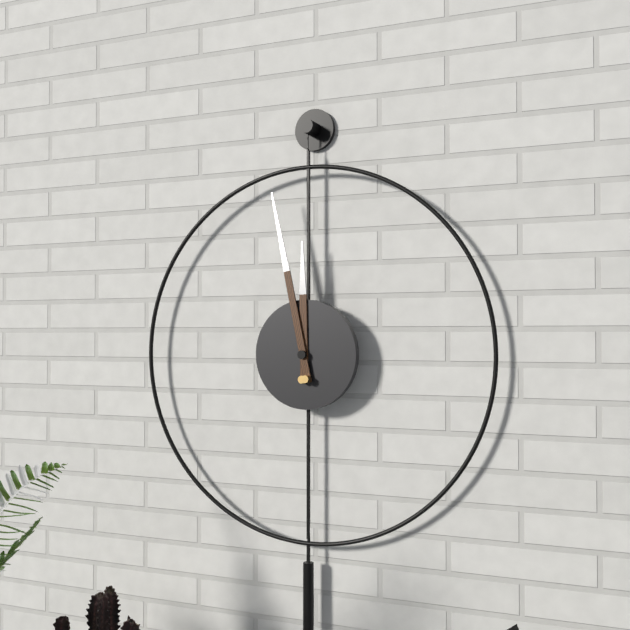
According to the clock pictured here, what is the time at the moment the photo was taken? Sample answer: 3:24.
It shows 11:58
